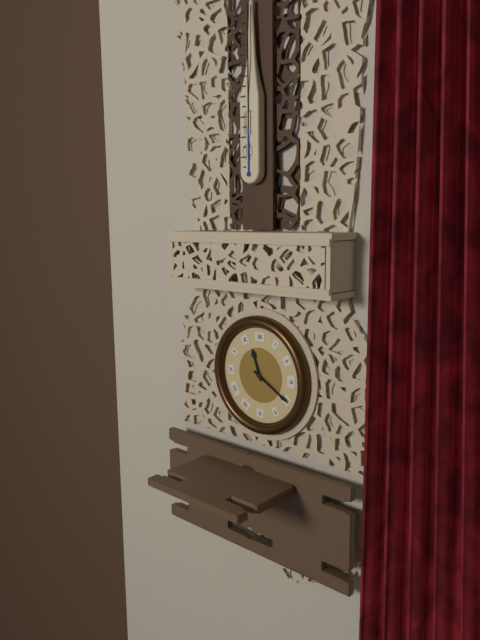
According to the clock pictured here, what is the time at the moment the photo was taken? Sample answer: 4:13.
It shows 11:20
